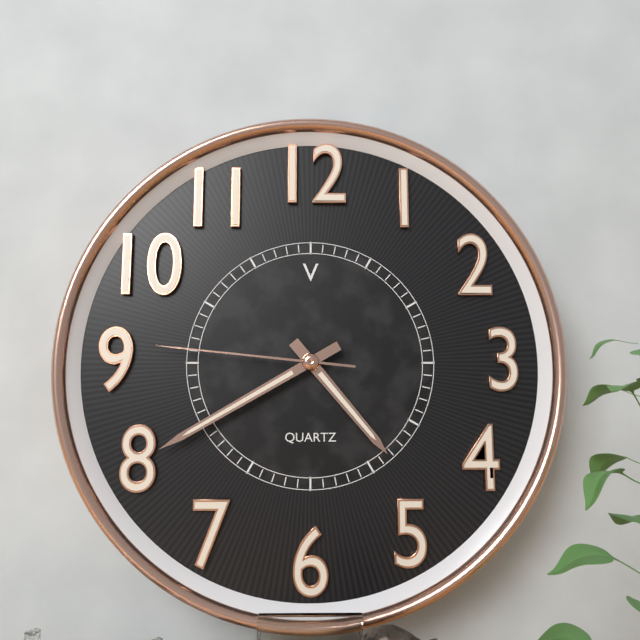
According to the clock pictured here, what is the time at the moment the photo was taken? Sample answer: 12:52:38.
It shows 4:40:46
